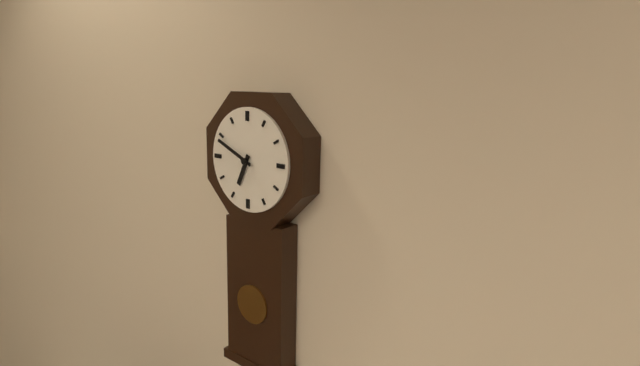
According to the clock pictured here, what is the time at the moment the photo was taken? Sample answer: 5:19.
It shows 6:49
